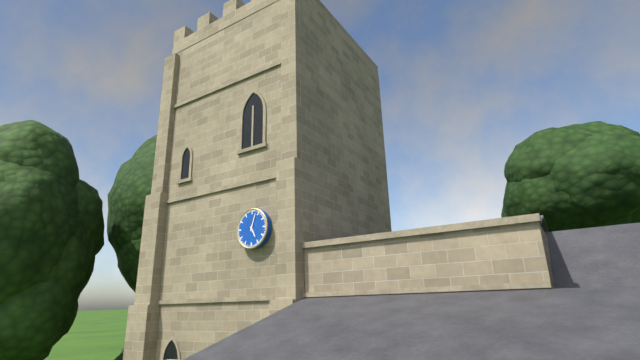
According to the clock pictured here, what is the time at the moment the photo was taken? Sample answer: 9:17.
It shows 5:03
